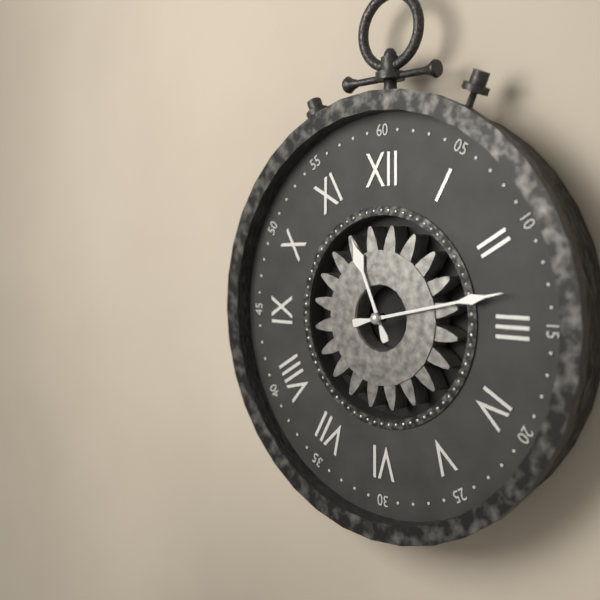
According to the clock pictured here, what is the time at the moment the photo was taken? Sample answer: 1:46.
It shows 11:13
